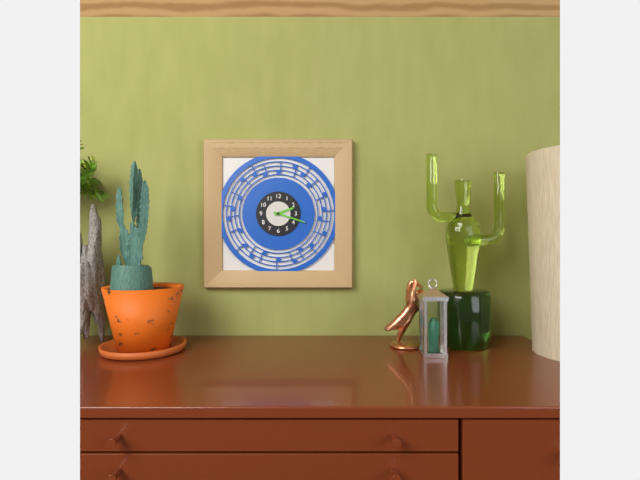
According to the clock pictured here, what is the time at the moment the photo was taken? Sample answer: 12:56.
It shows 2:18
